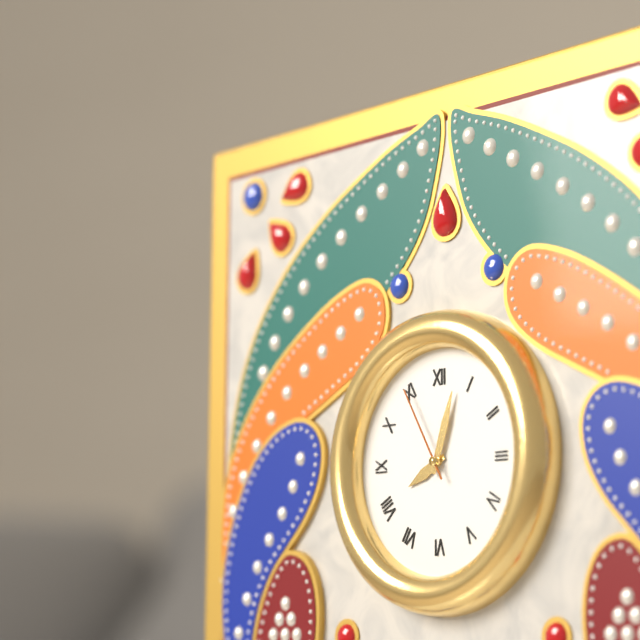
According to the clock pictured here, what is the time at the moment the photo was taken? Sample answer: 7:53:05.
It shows 8:03:55
